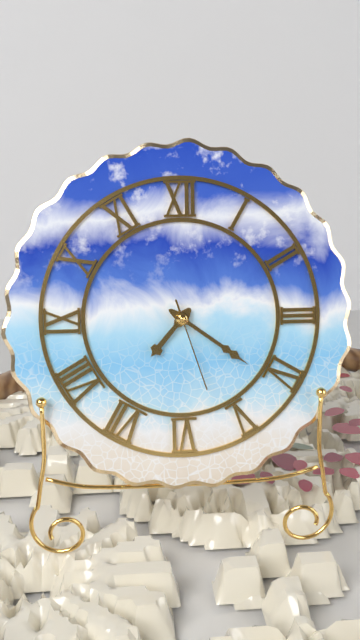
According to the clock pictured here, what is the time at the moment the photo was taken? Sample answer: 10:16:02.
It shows 7:21:27
